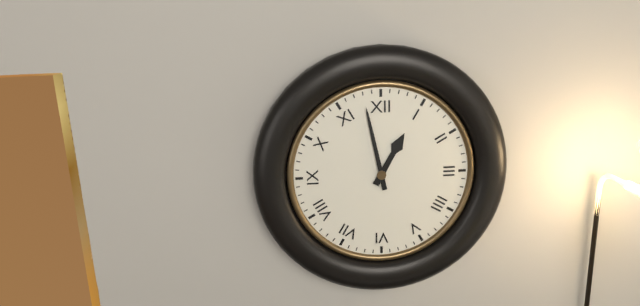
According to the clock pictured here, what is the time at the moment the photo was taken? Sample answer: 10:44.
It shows 12:58
